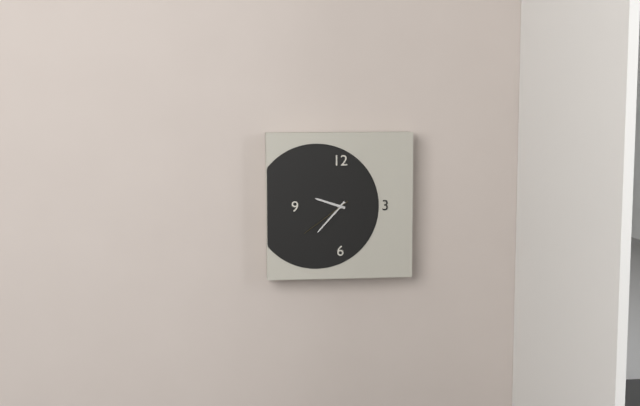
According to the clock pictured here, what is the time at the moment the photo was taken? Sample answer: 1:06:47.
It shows 9:37:39
